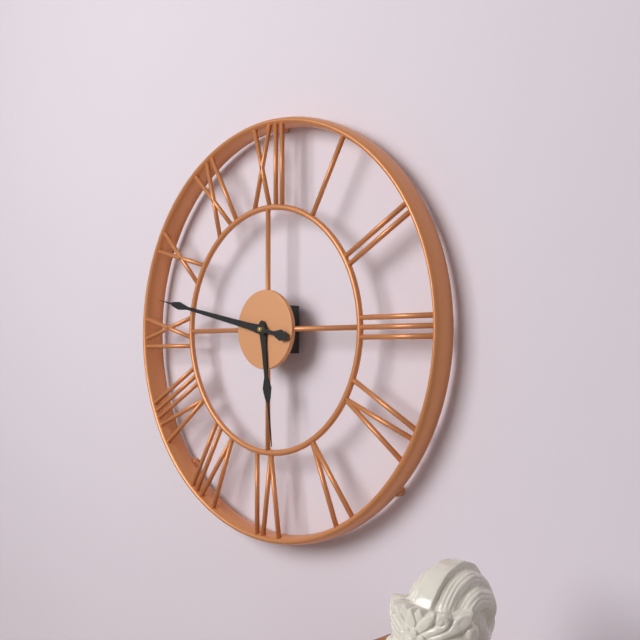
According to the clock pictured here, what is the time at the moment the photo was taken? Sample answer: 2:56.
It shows 5:47
